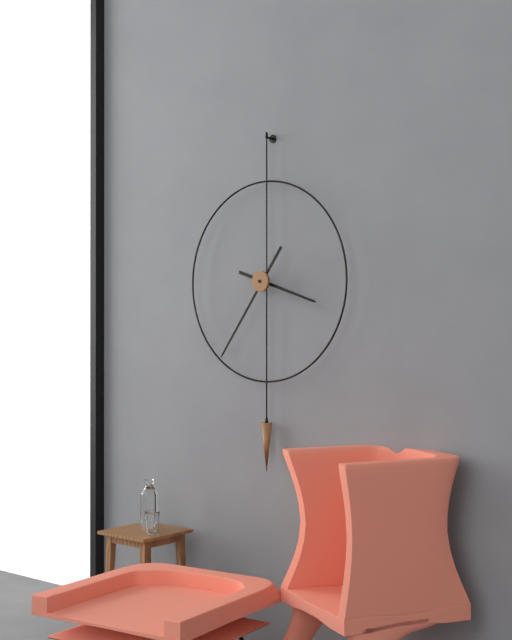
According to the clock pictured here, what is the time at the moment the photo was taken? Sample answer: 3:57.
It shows 3:36
